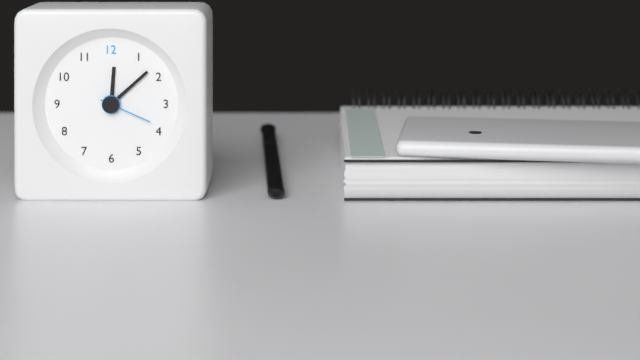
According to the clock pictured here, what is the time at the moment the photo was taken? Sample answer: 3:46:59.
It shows 12:08:19
